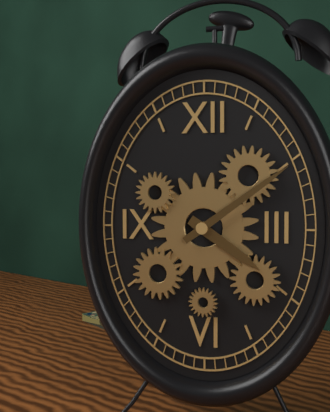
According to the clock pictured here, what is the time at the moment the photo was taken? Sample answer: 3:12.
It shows 4:09
